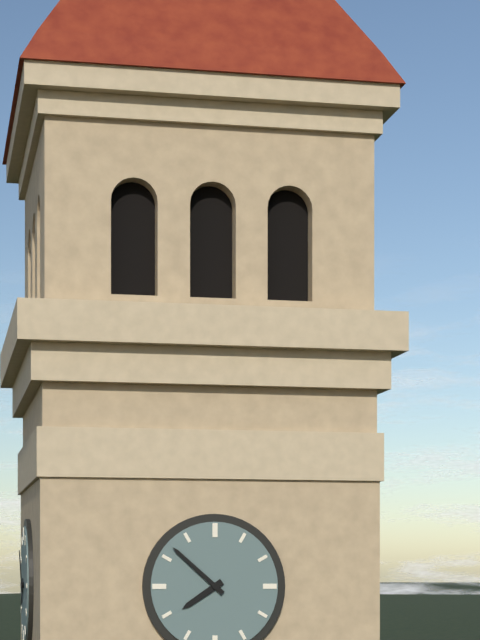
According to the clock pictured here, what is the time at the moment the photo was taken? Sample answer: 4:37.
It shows 7:52
